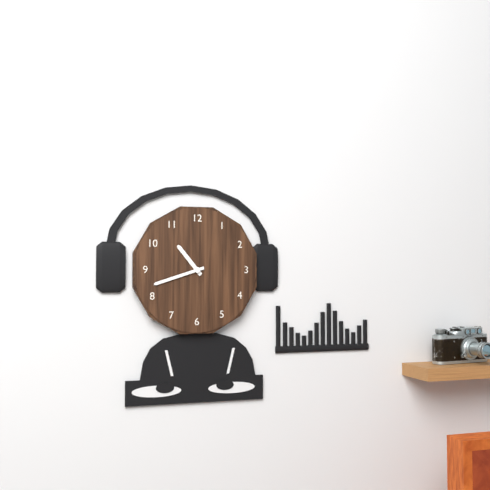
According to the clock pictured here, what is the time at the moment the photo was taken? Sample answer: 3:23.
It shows 10:42
